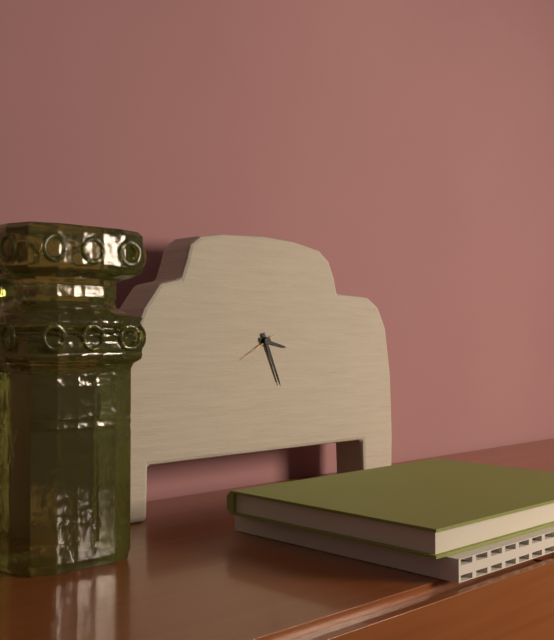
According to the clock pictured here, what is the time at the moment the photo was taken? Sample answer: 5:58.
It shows 3:26
